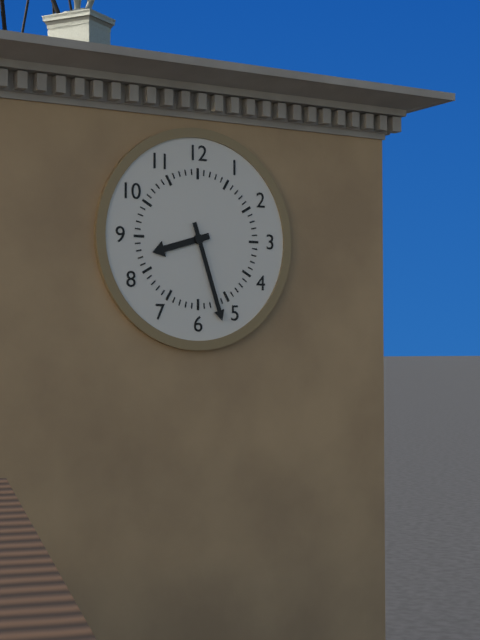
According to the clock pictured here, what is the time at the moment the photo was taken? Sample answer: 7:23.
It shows 8:27
